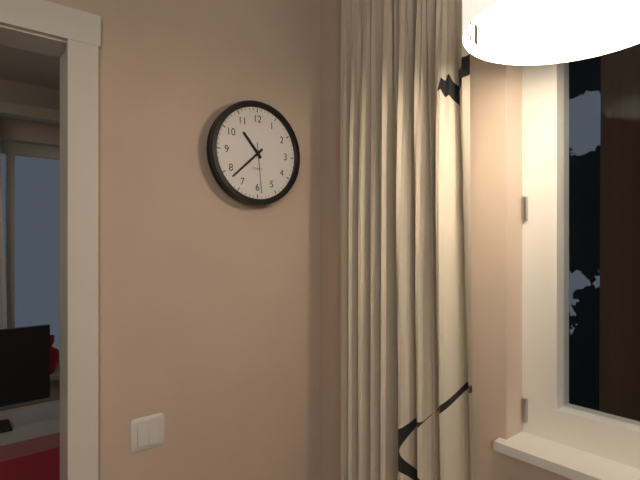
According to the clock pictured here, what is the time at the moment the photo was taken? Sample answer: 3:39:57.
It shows 10:38:29
